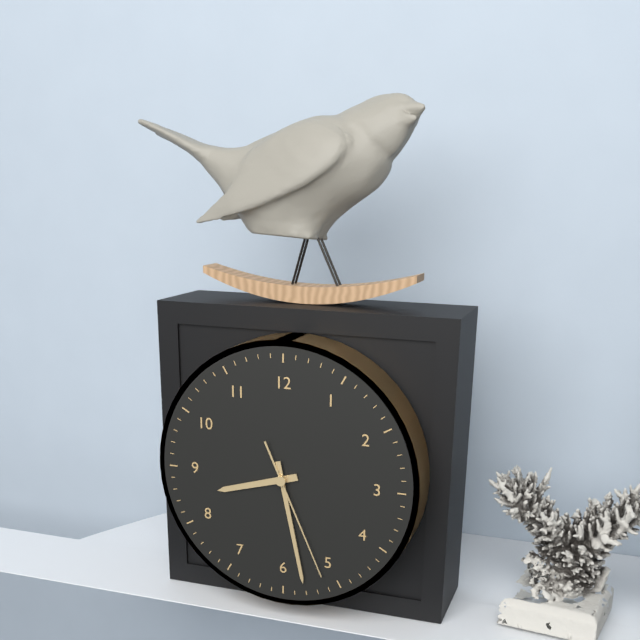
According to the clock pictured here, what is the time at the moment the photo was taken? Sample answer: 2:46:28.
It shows 8:28:26
